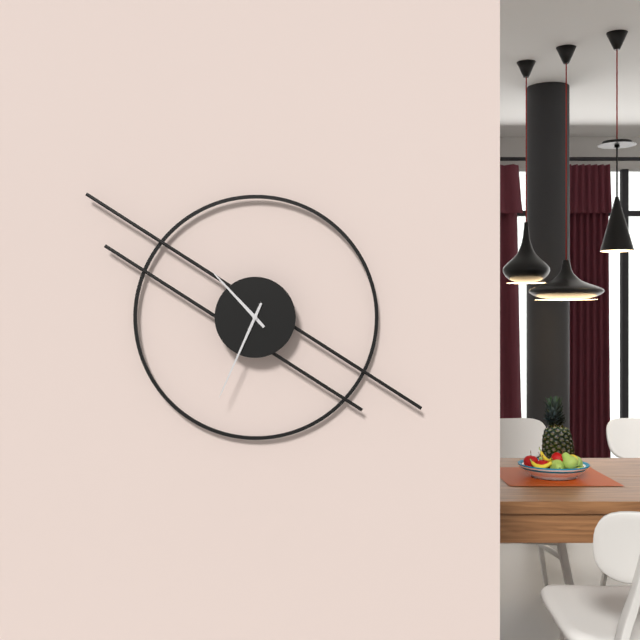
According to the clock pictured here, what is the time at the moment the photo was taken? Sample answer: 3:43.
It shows 10:34
